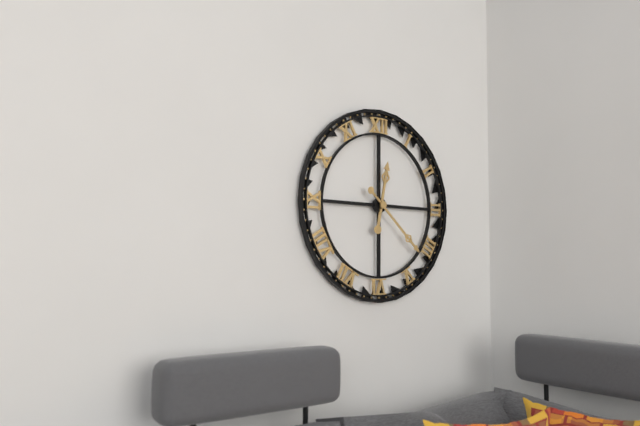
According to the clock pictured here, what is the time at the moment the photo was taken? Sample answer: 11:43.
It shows 12:22
